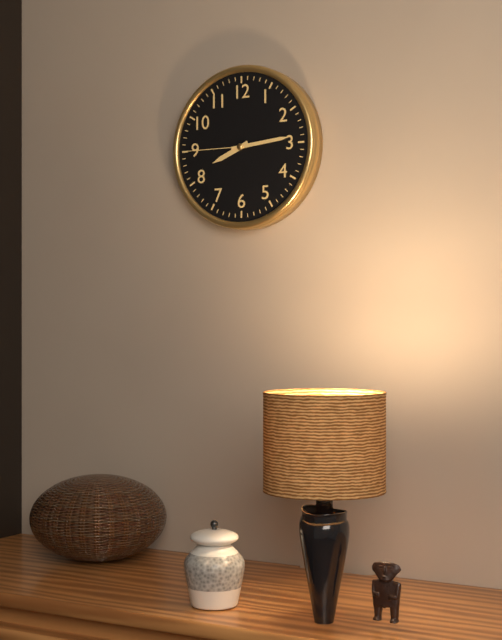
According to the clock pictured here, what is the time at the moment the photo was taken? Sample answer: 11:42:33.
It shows 8:14:45
